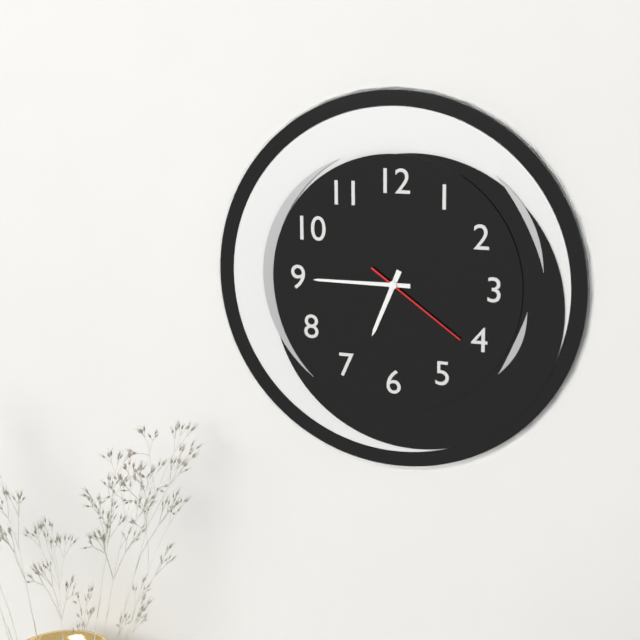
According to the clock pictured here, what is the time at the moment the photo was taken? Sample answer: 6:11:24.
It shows 6:45:21
